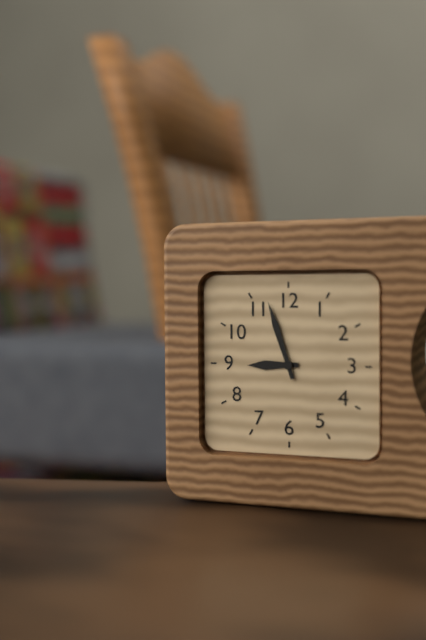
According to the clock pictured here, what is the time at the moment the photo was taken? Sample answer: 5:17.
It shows 8:57
